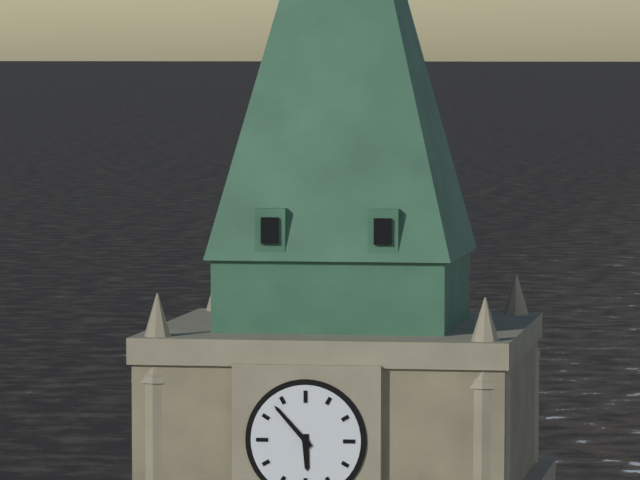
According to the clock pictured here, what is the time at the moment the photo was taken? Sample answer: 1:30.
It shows 5:53
